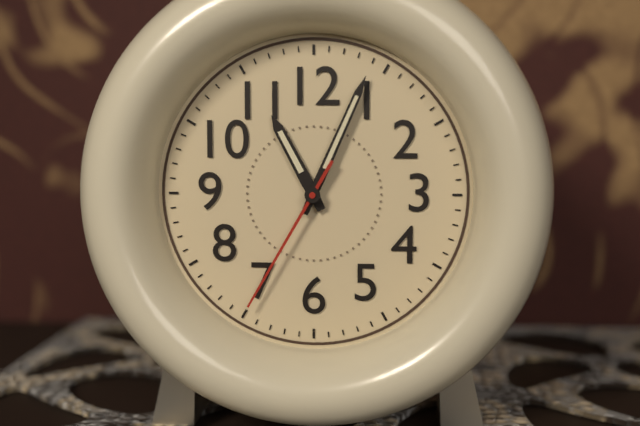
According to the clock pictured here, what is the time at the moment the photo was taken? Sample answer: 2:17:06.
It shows 11:04:35
